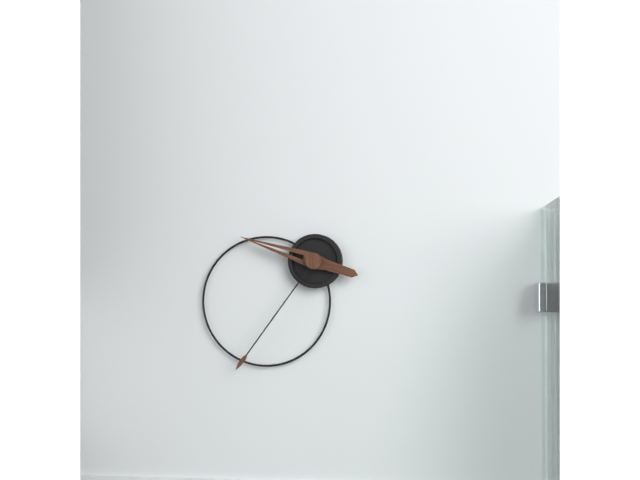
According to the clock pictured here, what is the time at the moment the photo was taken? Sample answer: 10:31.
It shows 9:36
